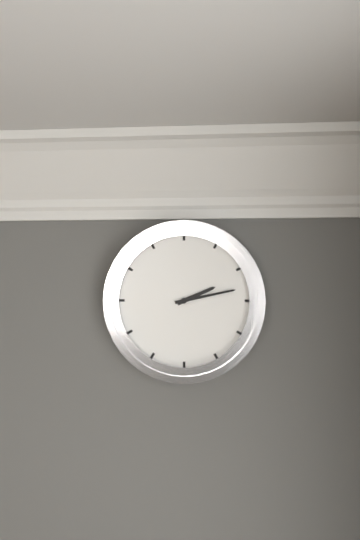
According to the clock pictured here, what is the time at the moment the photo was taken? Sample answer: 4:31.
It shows 2:13
